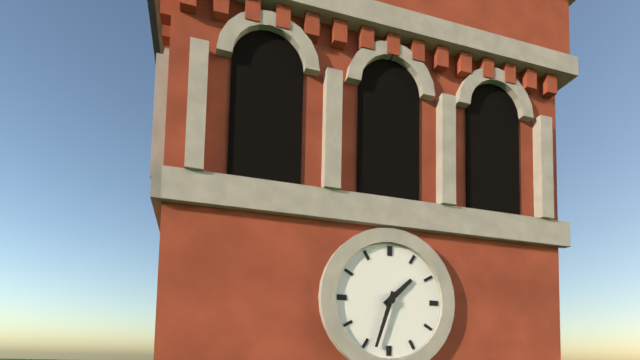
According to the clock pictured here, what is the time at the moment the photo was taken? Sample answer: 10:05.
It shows 1:33
